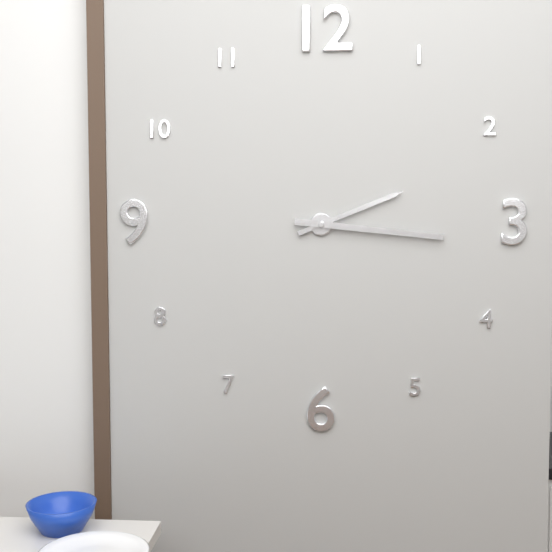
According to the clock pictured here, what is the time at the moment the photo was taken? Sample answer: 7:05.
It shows 2:16
